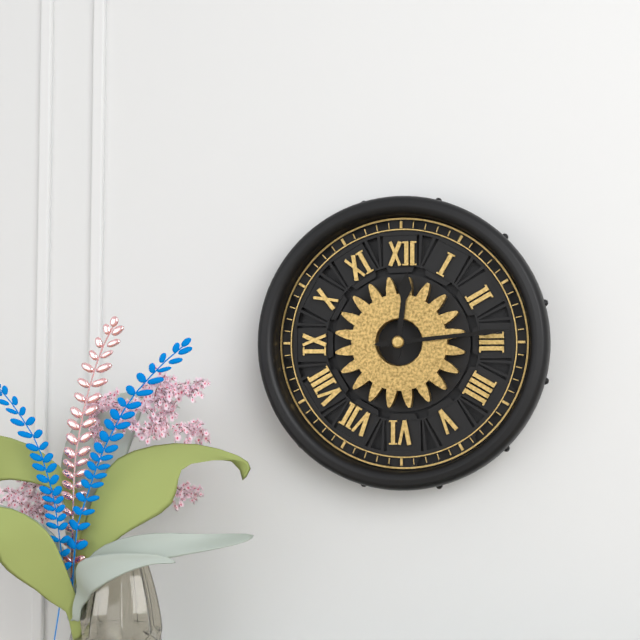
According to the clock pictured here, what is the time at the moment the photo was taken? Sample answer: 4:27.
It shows 12:14
